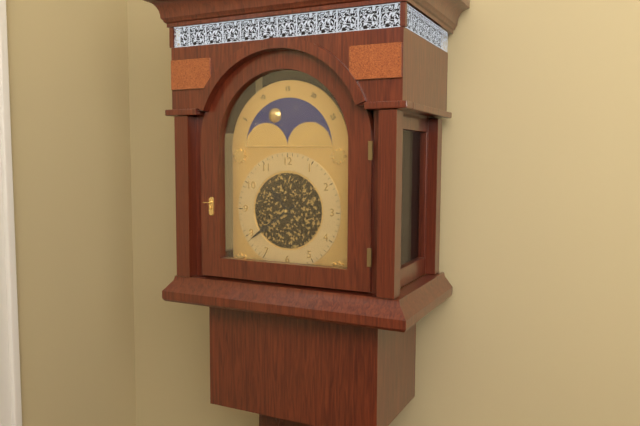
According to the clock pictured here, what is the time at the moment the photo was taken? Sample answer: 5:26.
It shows 10:39
